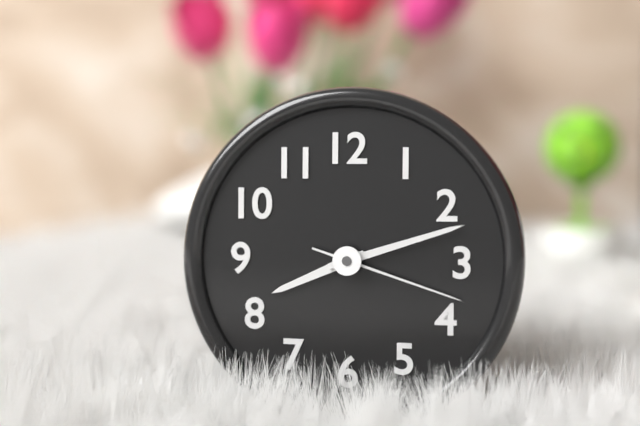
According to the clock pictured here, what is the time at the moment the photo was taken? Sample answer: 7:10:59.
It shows 8:12:18
